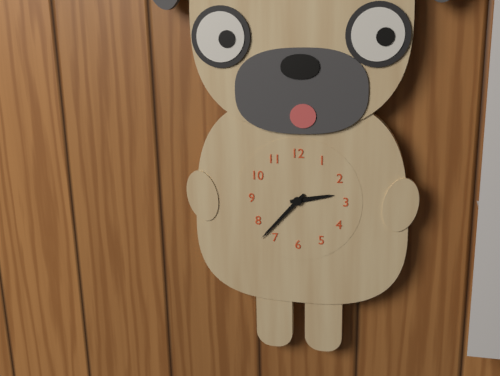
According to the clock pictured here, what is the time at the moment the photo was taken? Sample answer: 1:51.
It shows 2:37
